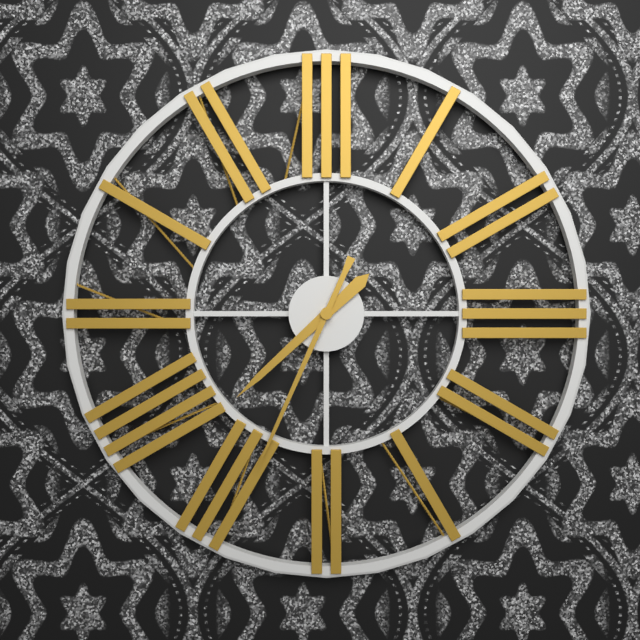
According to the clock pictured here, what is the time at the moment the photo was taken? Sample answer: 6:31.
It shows 7:34
